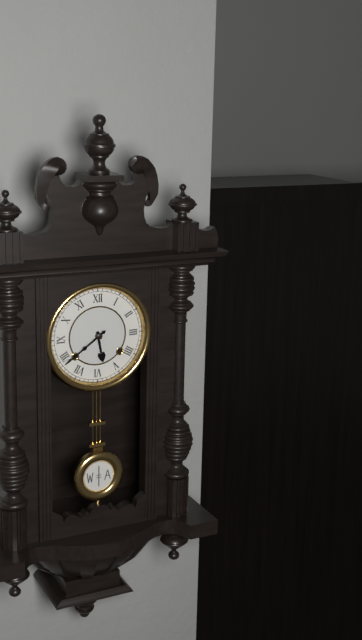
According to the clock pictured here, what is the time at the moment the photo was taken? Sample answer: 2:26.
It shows 5:39
